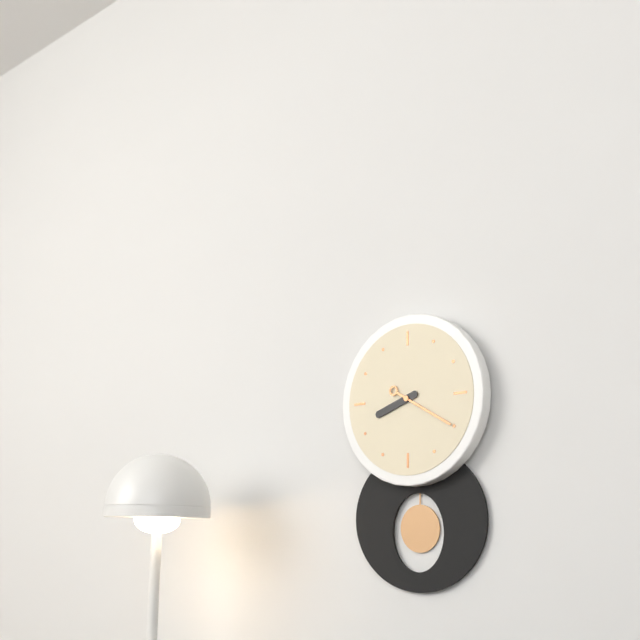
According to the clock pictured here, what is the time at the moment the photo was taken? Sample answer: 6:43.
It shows 8:20
